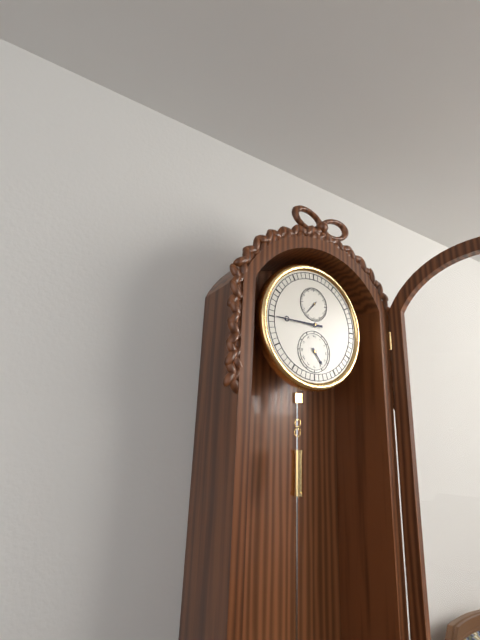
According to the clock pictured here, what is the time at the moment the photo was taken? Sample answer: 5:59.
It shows 4:45
